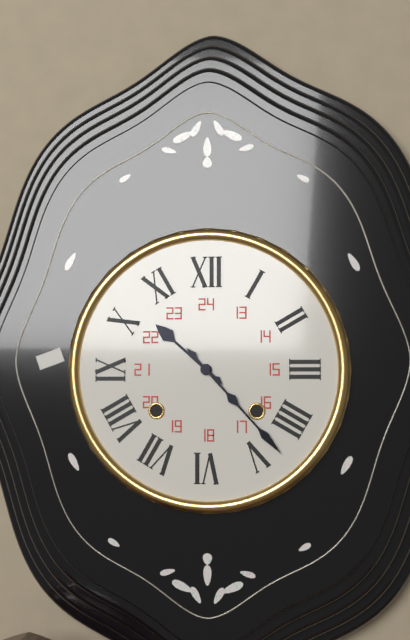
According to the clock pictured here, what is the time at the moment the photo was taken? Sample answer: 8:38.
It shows 10:23
